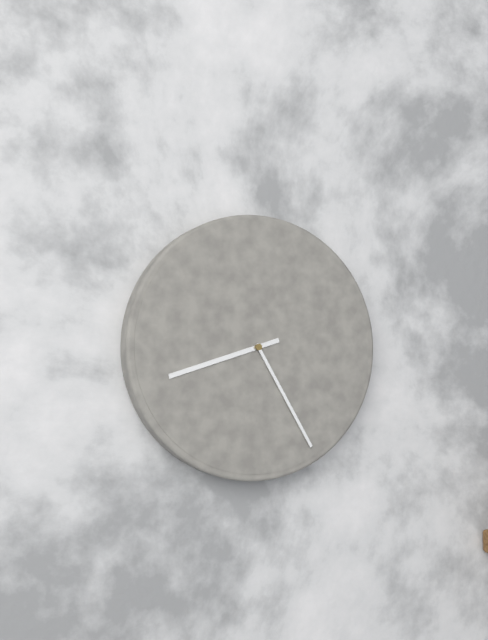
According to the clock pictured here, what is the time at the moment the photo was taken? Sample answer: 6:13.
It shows 8:25
